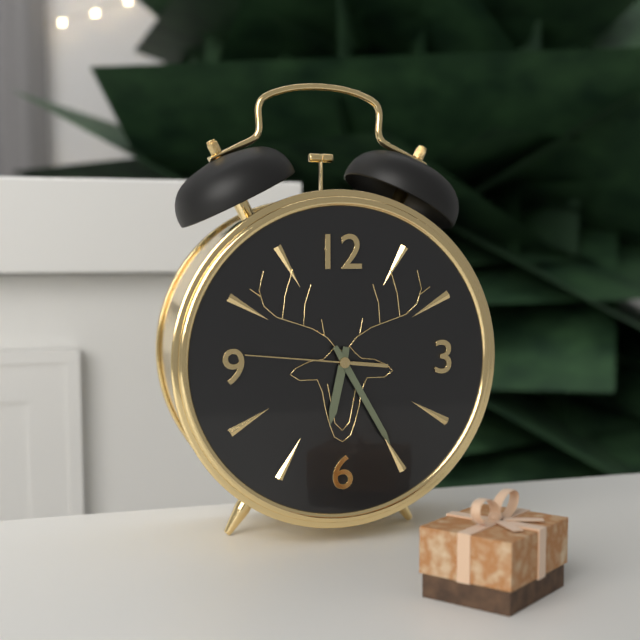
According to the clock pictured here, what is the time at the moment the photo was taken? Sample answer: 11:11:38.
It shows 6:25:46
